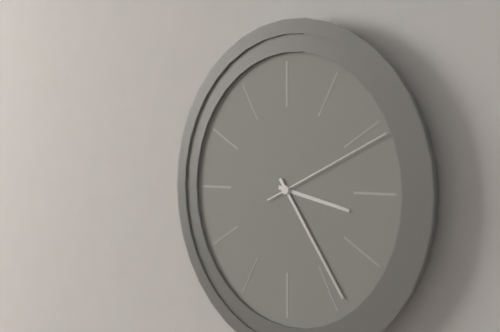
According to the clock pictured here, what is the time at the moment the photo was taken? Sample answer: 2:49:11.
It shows 3:24:11
